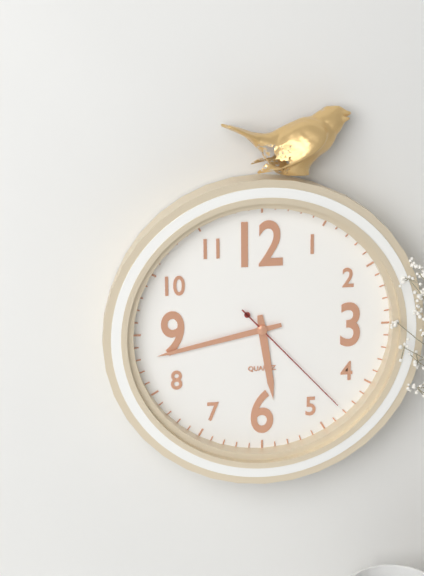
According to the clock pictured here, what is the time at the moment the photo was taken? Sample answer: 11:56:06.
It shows 5:43:23
